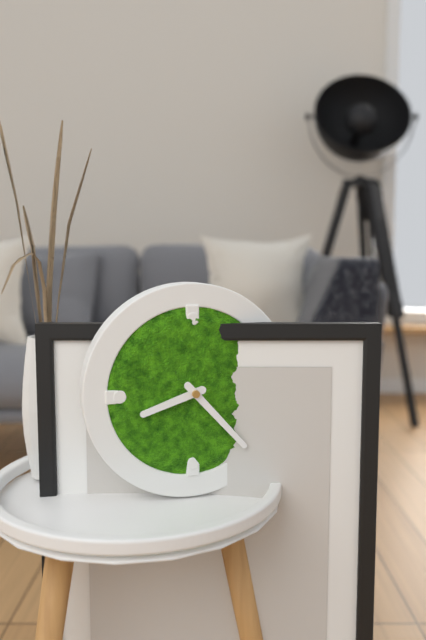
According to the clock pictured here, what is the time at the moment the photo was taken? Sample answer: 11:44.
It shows 8:23
